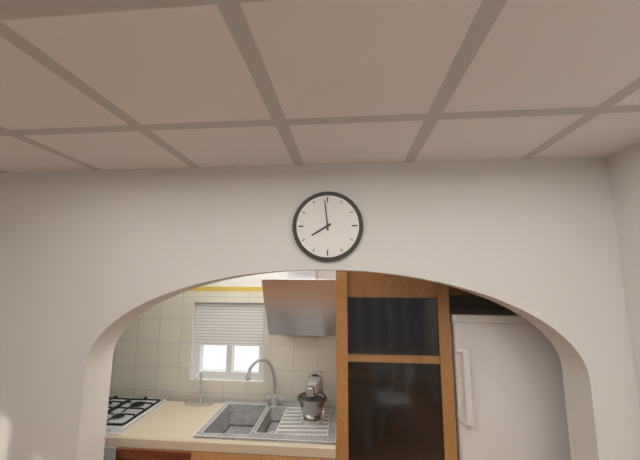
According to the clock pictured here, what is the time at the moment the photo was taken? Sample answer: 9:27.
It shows 7:59
